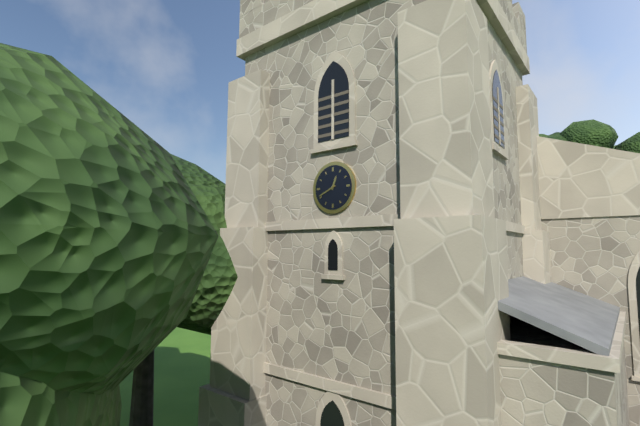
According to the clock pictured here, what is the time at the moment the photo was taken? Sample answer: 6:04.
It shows 12:41
